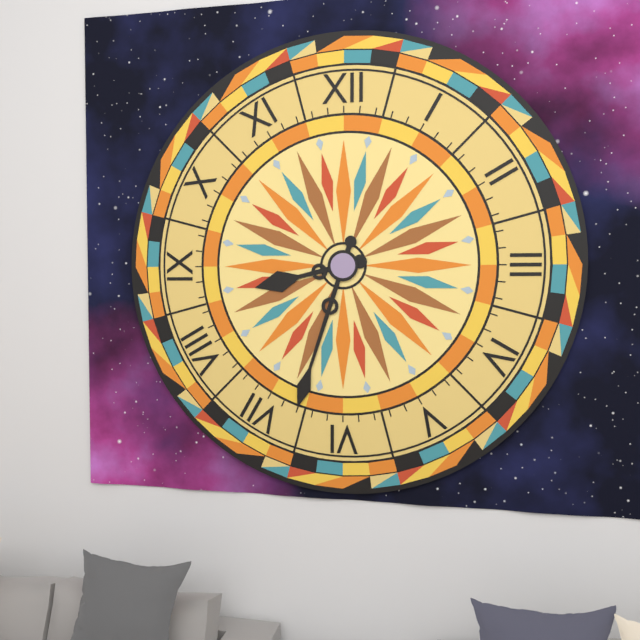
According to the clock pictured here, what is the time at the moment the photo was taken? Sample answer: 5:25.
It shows 8:33
